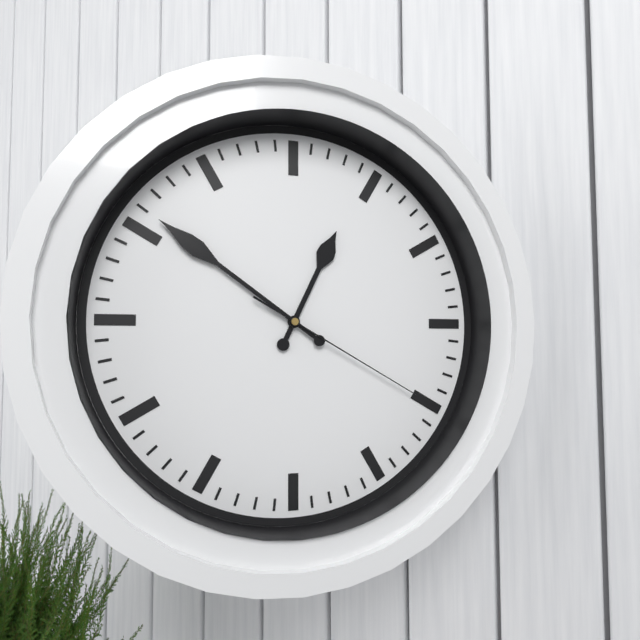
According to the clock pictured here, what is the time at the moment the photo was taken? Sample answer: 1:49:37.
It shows 12:51:20
